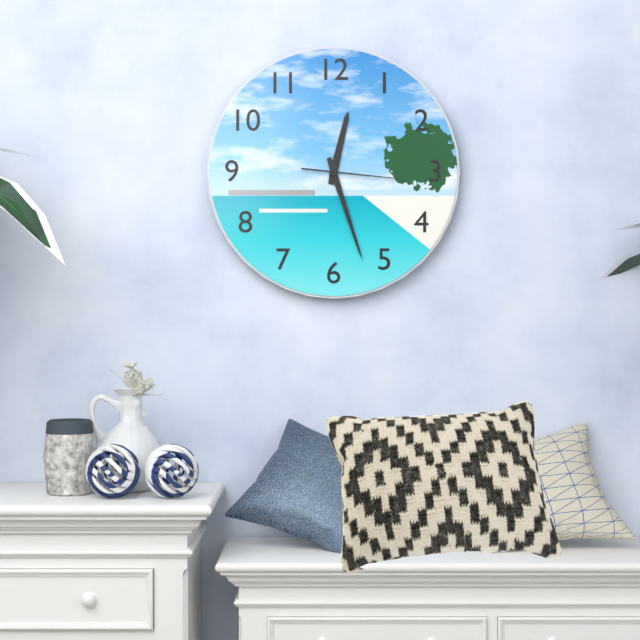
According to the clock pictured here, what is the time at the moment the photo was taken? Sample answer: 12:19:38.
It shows 12:27:16
